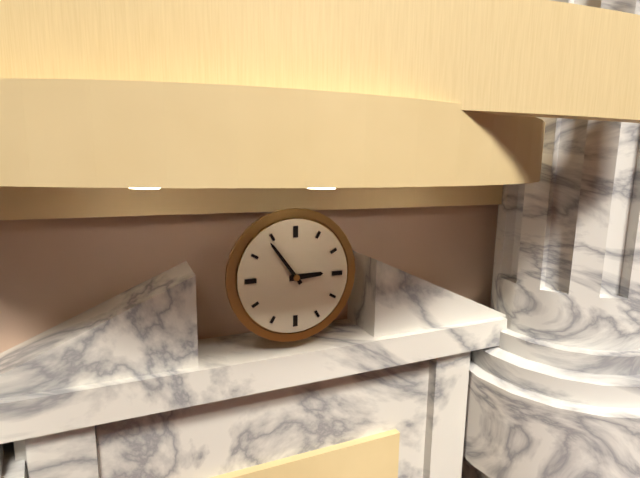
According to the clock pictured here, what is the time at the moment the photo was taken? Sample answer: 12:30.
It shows 2:54
